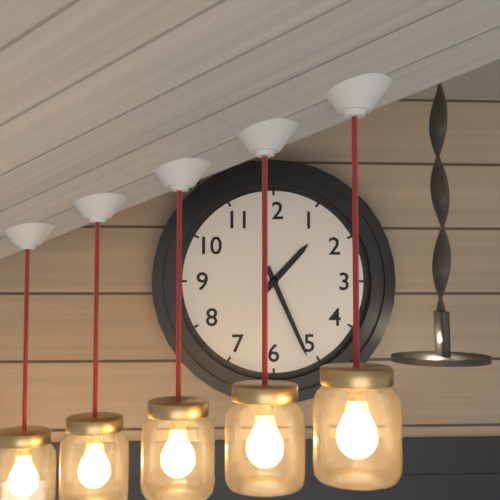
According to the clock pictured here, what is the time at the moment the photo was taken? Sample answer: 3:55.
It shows 1:26
